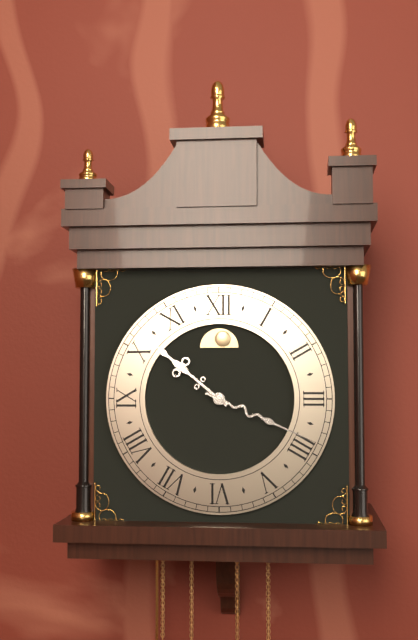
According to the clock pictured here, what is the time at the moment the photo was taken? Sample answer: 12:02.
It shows 10:19
